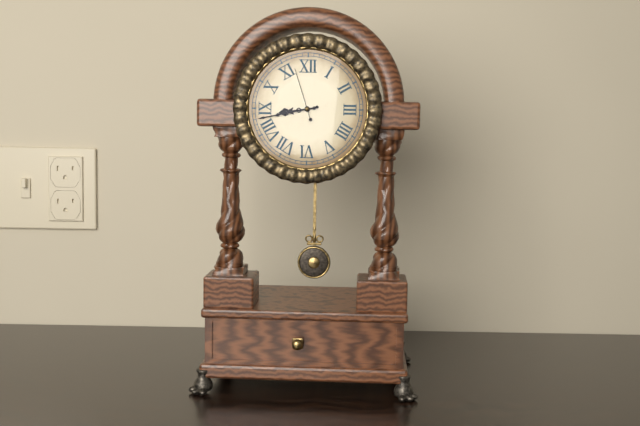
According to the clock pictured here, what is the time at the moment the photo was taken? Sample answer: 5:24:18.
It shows 8:43:57
